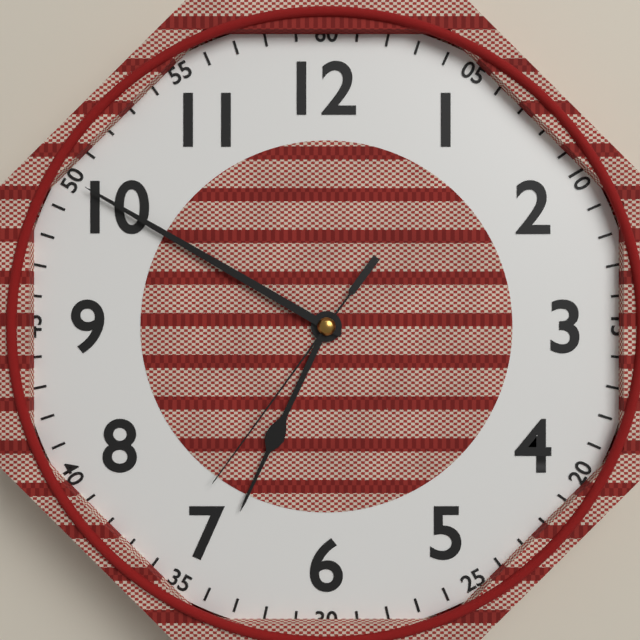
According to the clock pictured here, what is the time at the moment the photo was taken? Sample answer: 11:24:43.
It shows 6:50:36
